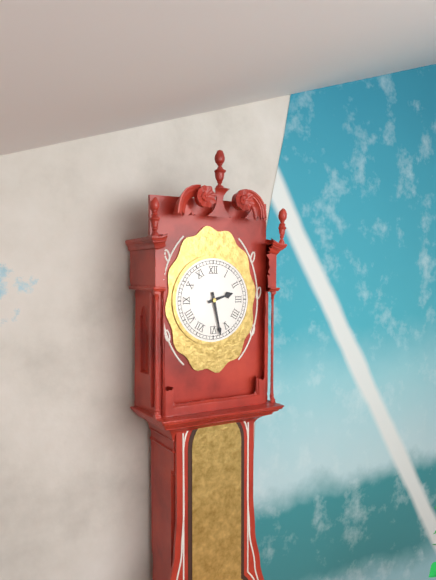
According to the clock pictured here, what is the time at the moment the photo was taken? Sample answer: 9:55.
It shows 2:28
